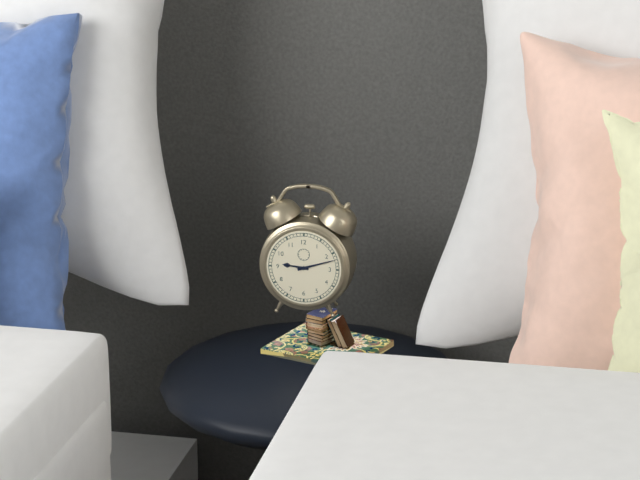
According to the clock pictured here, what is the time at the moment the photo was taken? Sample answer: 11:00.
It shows 9:12
